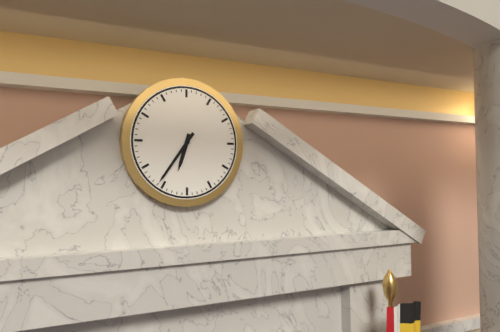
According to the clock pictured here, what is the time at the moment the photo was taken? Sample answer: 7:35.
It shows 6:36
